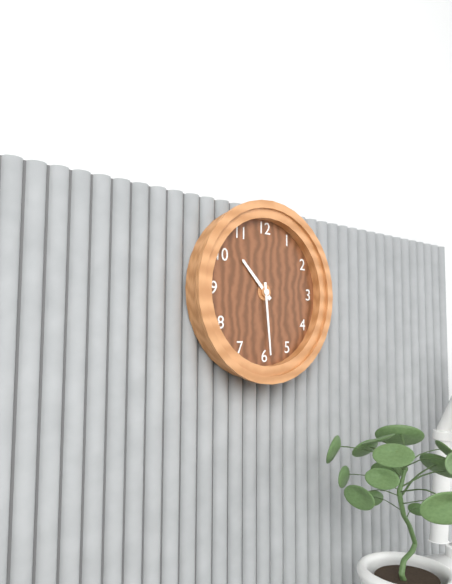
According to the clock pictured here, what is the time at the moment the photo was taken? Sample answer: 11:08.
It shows 10:29
